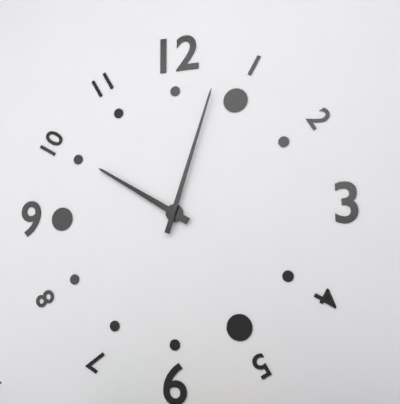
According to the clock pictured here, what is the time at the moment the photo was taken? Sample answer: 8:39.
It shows 10:03
